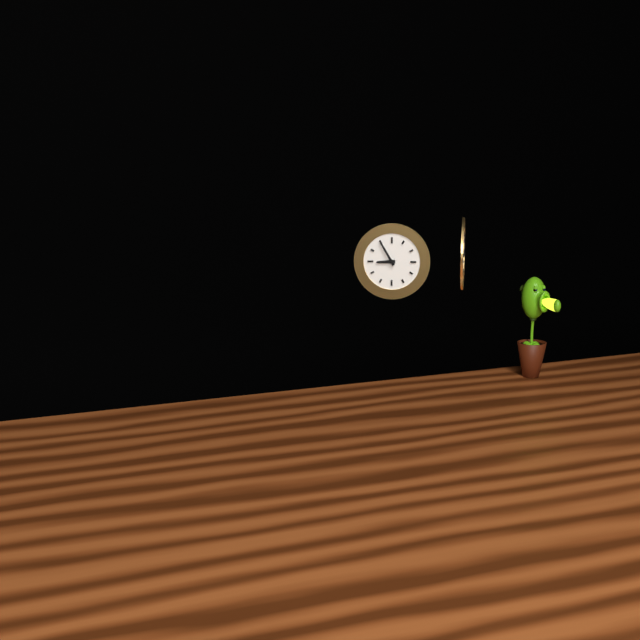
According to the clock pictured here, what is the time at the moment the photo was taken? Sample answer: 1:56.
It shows 8:55
